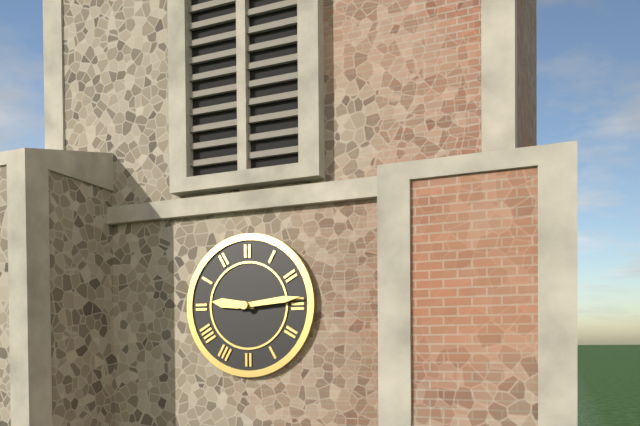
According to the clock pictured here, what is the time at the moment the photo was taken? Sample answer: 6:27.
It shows 9:14
